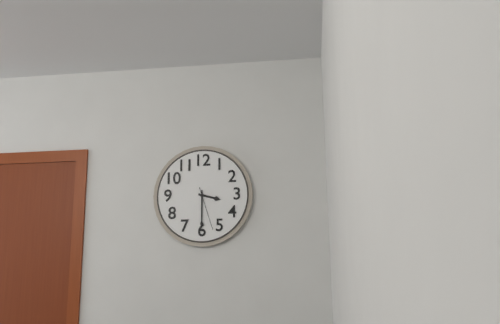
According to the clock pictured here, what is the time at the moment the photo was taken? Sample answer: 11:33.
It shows 3:30
